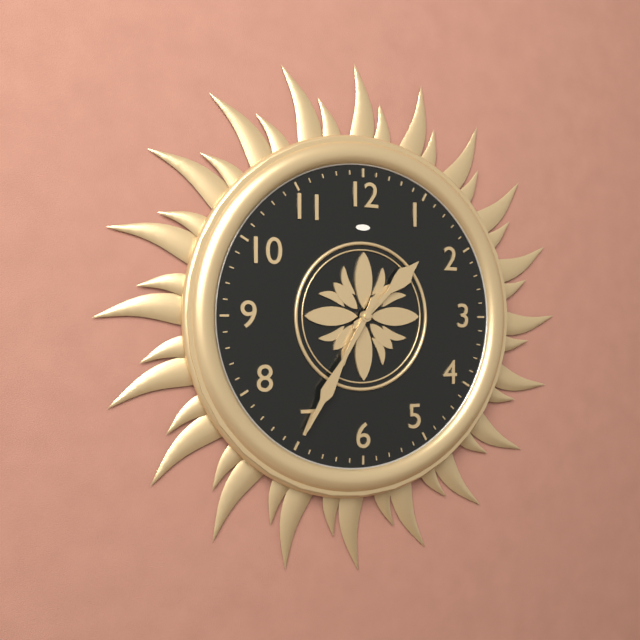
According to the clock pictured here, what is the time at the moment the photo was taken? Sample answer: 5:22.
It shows 1:35
